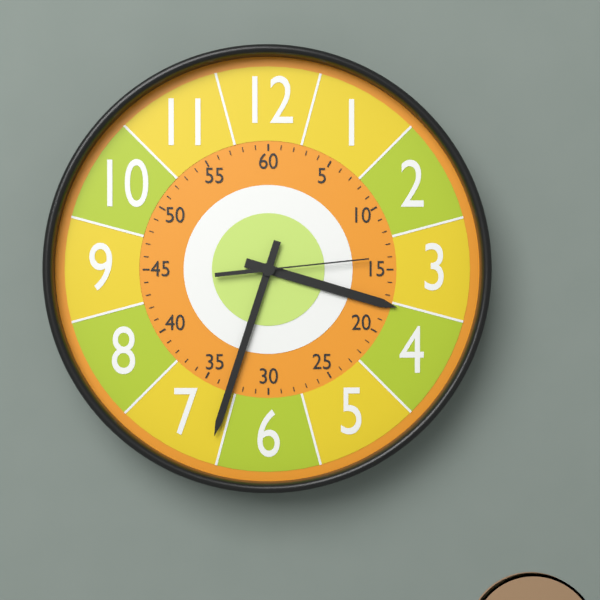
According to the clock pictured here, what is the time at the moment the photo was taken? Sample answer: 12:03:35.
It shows 3:33:14
